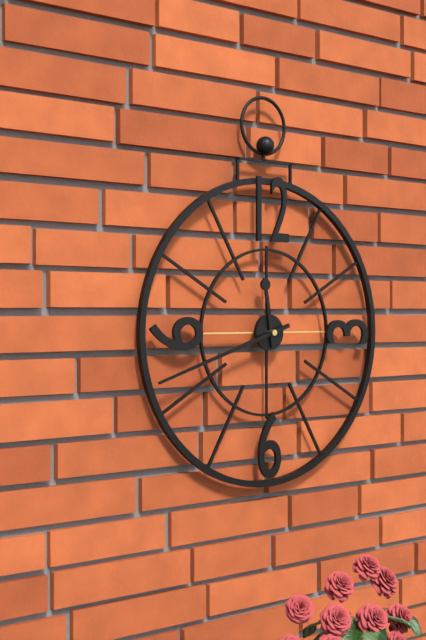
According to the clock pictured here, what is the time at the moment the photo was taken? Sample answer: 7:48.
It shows 11:42
